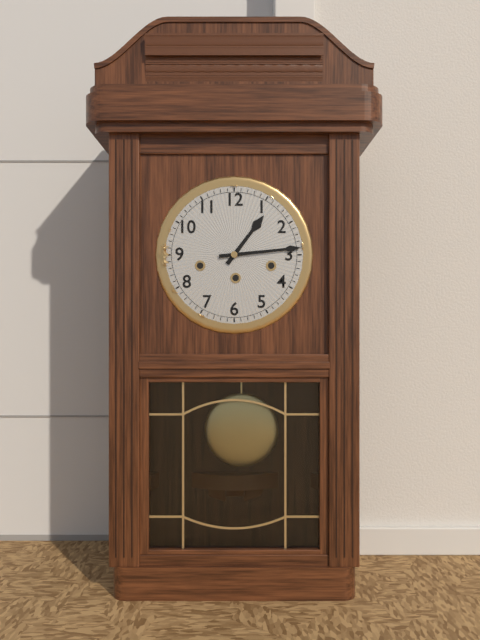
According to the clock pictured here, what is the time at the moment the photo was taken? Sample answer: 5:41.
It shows 1:14
